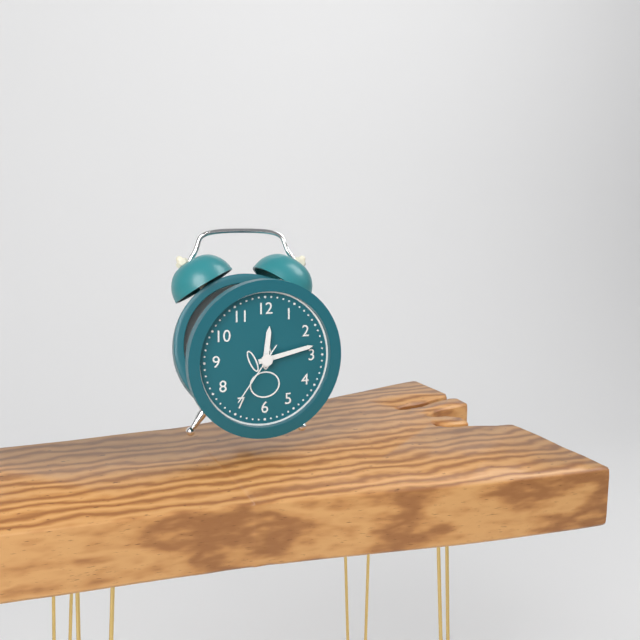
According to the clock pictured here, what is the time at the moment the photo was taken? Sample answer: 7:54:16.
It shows 12:13:36
